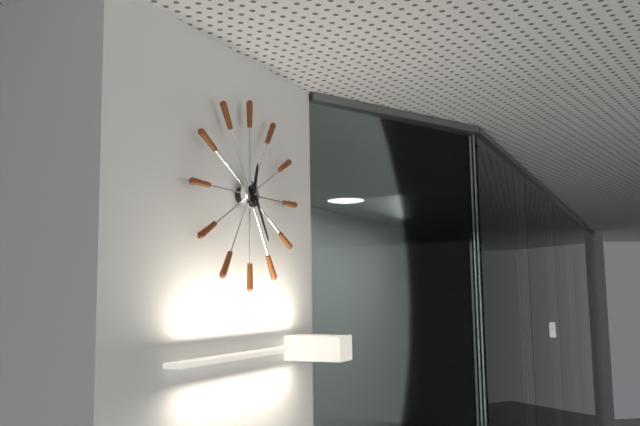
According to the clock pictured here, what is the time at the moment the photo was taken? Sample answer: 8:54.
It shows 12:25
